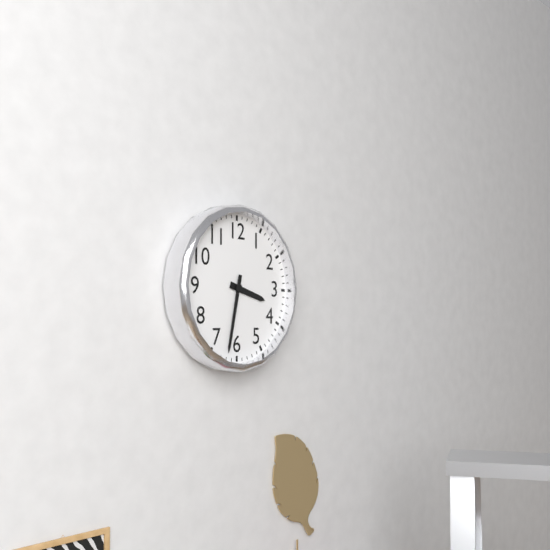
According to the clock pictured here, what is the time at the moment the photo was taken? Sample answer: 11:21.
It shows 3:32
